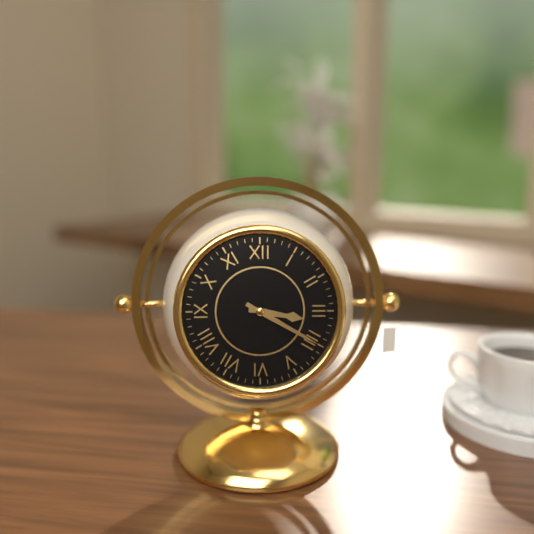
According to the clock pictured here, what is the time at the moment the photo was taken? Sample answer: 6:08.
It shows 3:20
